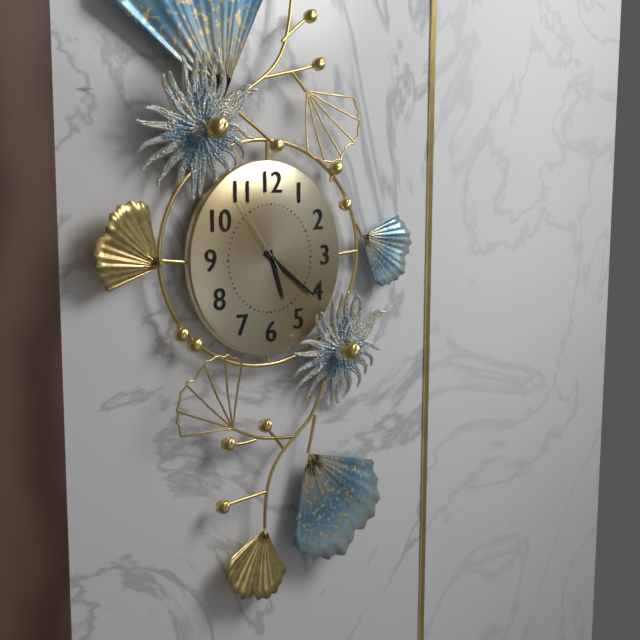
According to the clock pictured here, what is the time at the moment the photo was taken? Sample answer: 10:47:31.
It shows 5:21:54
